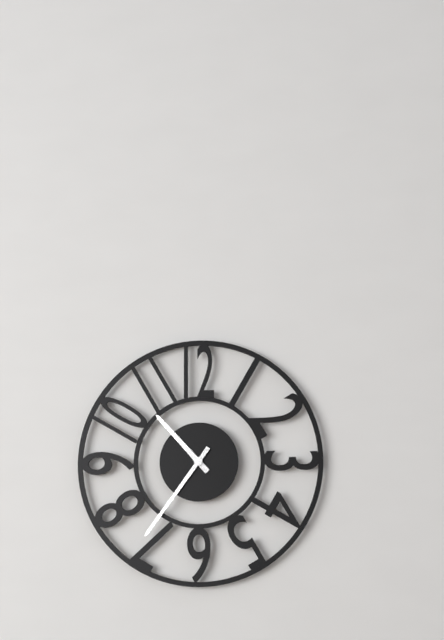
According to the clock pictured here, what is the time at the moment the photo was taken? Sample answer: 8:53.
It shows 10:36
